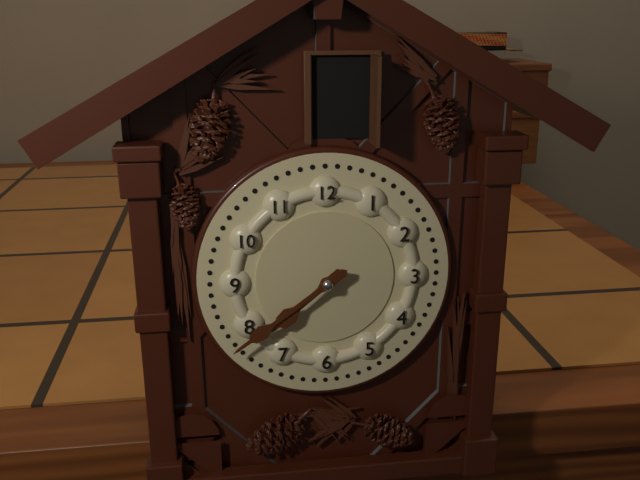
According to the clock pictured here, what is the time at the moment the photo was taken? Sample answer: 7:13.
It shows 7:39
